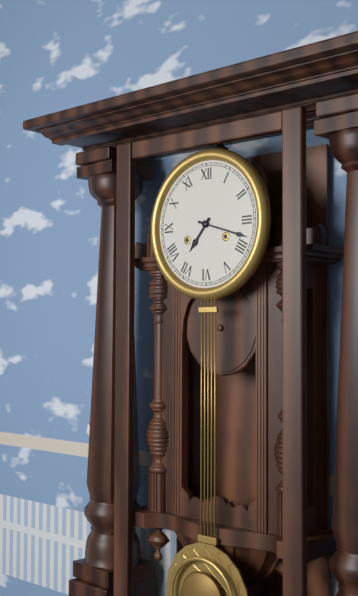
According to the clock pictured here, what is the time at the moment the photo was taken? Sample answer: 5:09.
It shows 7:18
